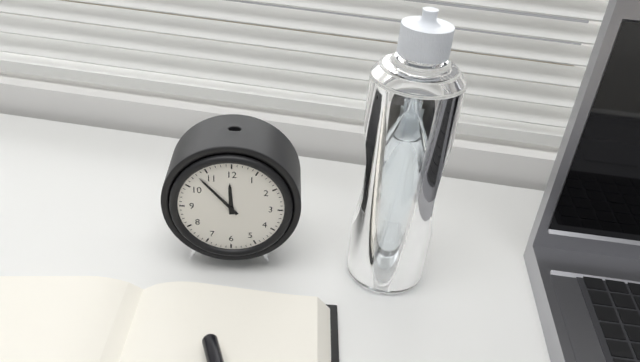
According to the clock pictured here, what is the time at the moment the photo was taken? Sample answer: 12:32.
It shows 11:53
